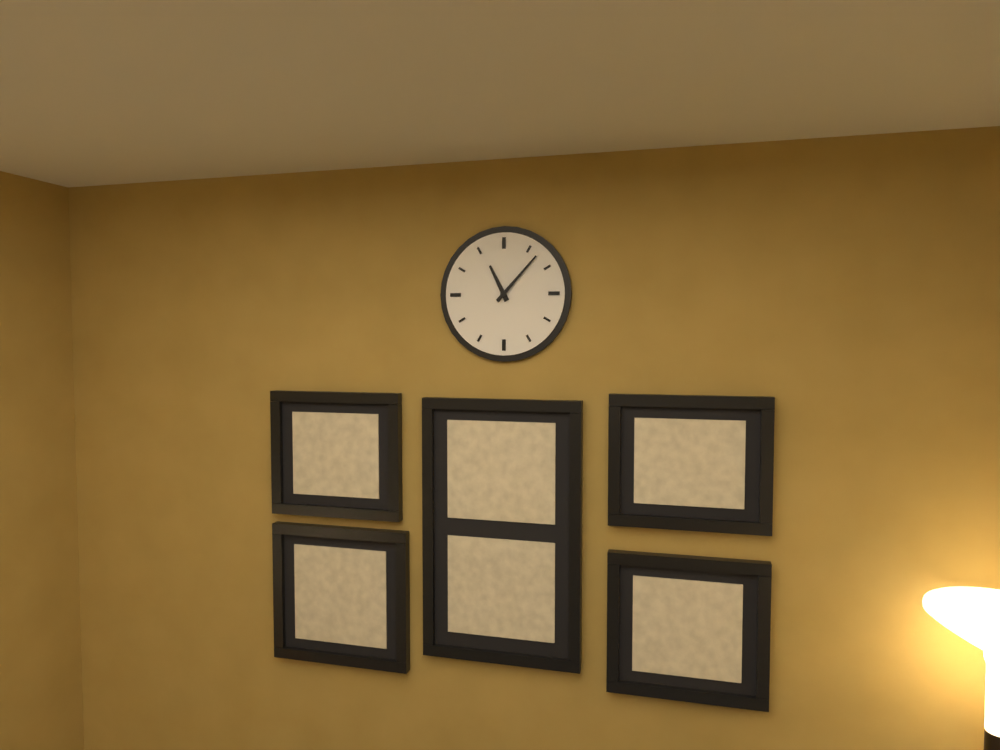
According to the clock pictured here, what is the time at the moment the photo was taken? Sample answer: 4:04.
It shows 11:07
